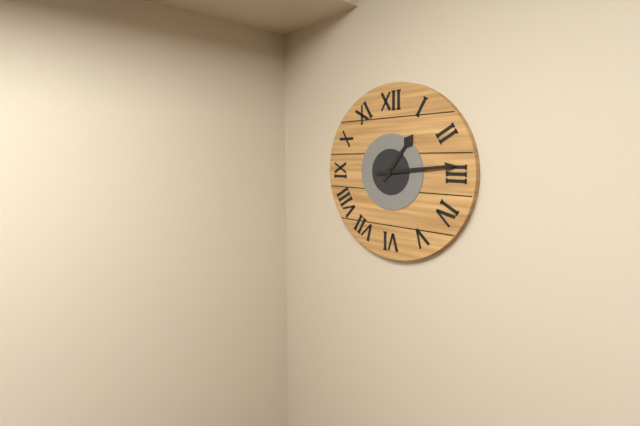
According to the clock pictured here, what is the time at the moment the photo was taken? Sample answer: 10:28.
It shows 1:14
